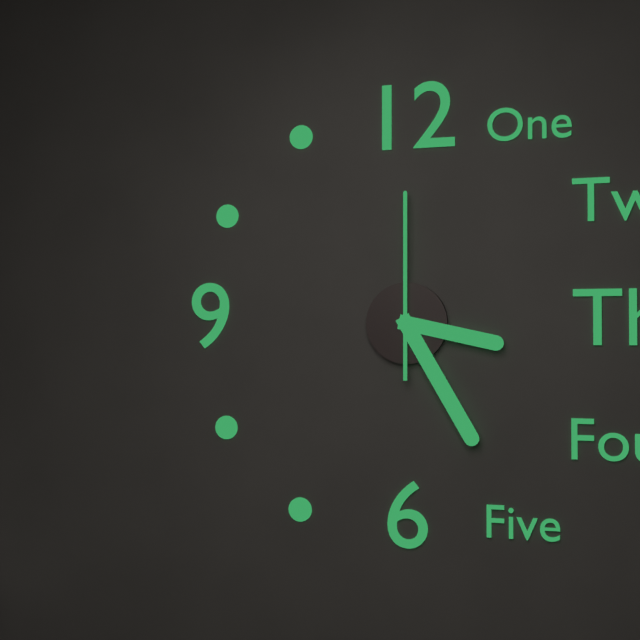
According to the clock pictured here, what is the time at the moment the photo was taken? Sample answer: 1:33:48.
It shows 3:25:00
